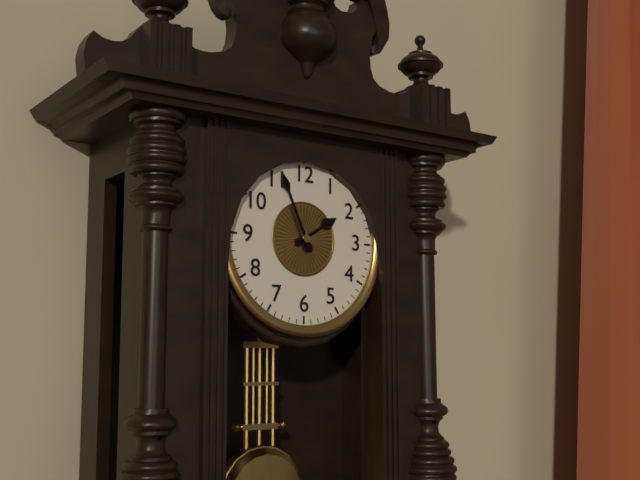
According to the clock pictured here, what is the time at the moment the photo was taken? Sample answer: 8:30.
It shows 1:56
